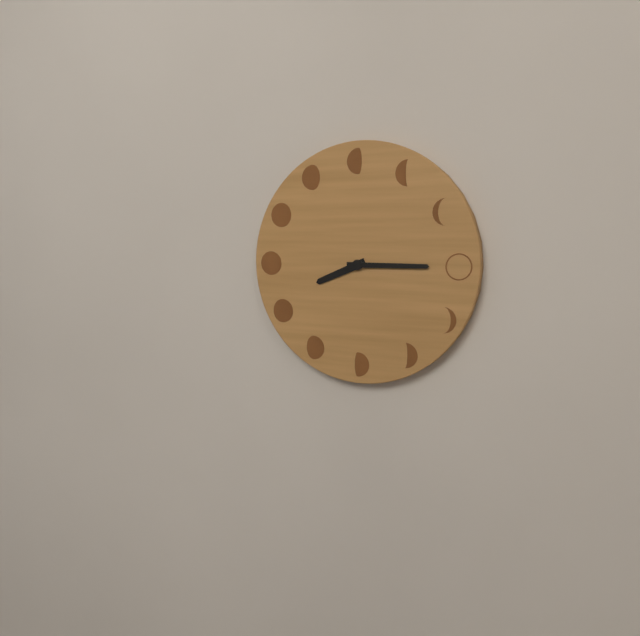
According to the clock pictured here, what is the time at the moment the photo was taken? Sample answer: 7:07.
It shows 8:15
